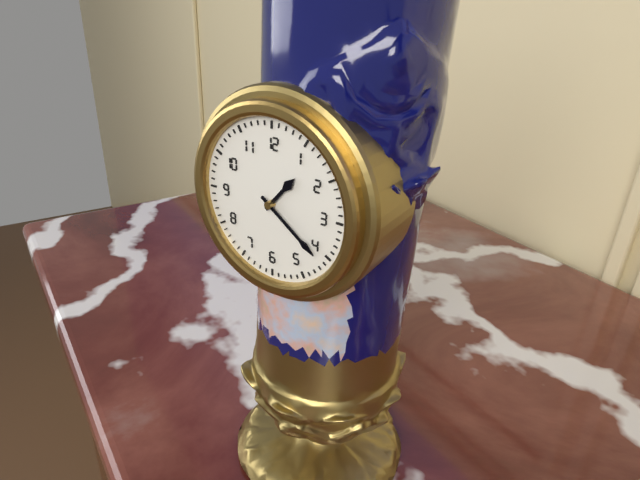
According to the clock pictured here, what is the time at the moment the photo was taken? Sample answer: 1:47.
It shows 1:21
